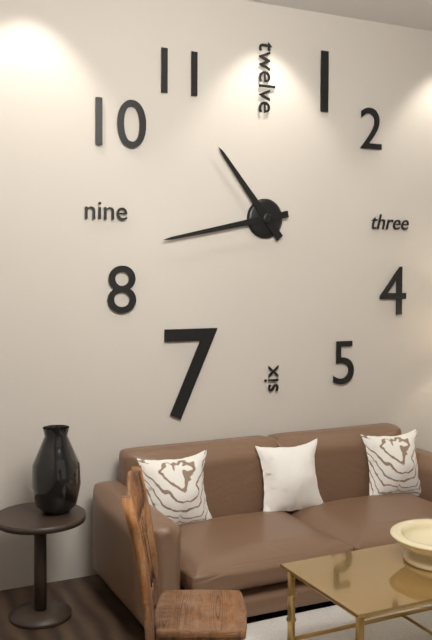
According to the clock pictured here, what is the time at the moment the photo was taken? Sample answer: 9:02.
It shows 10:43
